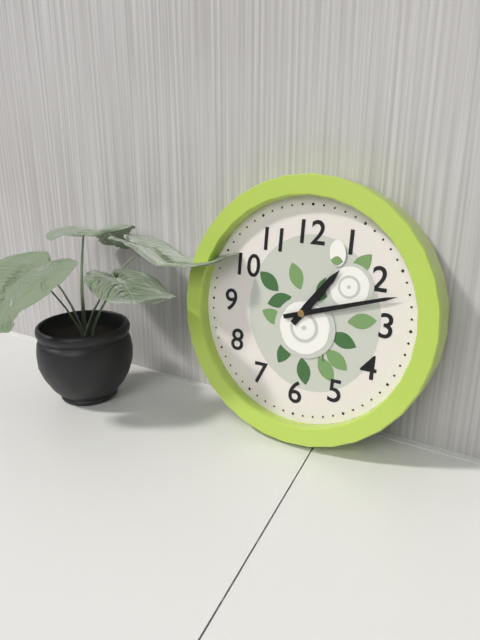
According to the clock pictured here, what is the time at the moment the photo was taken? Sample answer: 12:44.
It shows 1:12
